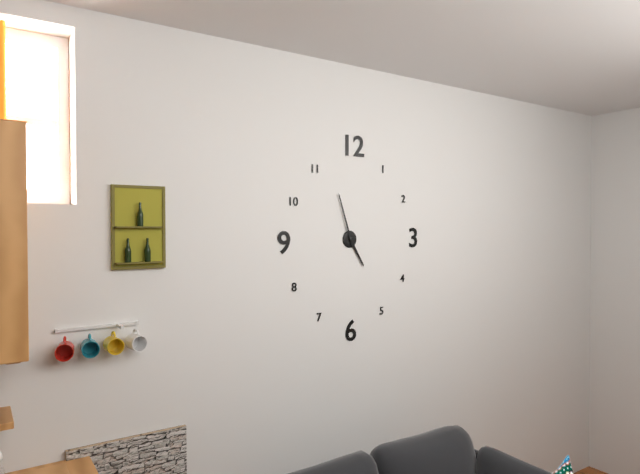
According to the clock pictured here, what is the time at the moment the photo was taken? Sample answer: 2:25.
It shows 4:57
